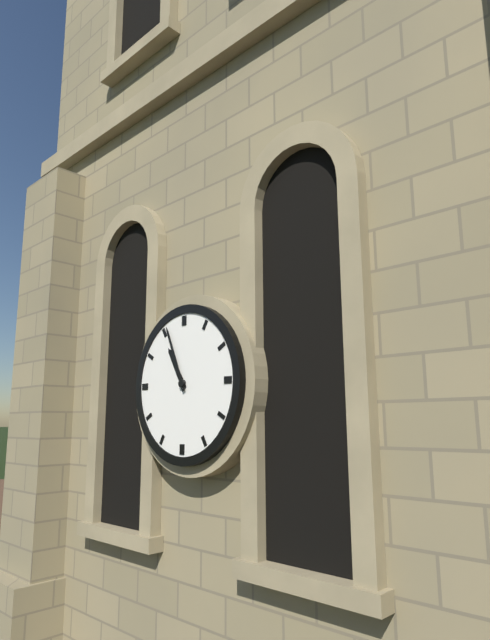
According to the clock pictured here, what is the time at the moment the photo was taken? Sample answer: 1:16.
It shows 10:56
